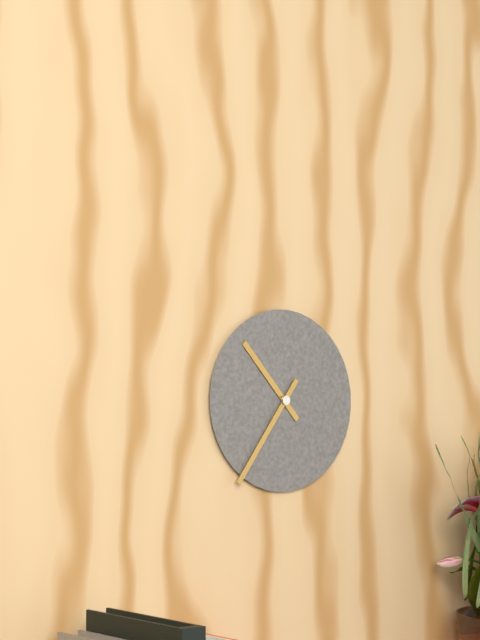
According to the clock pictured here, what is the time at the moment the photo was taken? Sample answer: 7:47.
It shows 10:36
